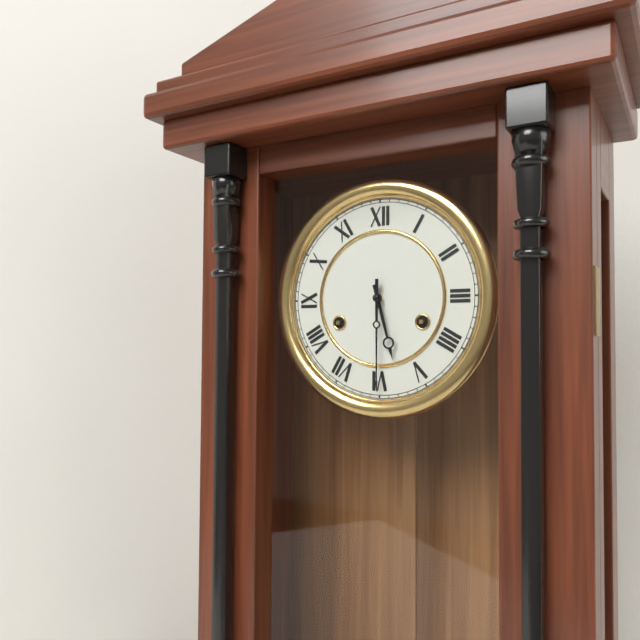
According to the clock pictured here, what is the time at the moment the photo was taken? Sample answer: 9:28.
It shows 5:30
